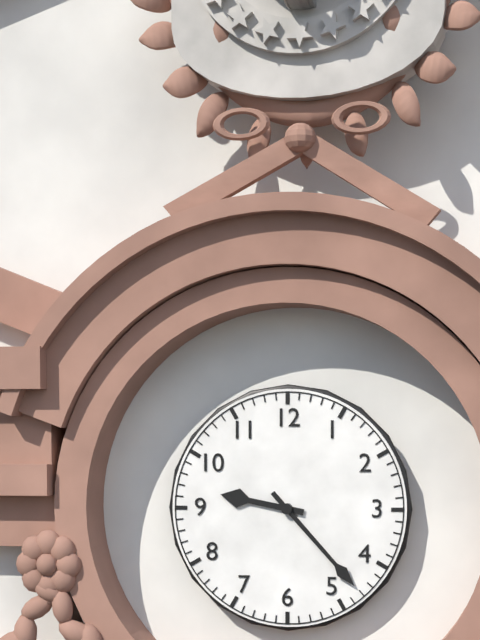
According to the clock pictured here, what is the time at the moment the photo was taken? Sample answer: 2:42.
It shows 9:23
